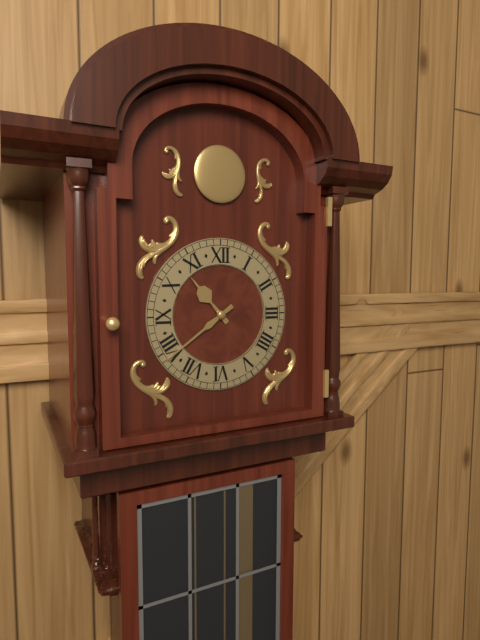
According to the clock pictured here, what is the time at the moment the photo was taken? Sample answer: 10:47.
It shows 10:39
